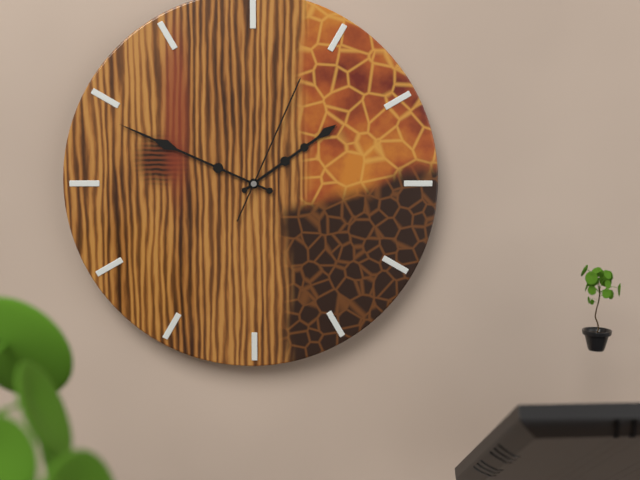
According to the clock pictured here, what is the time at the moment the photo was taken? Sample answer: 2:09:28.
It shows 1:49:04
